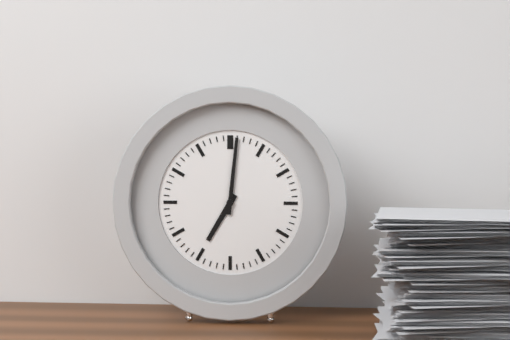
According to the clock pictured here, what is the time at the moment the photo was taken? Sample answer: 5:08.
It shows 7:01
